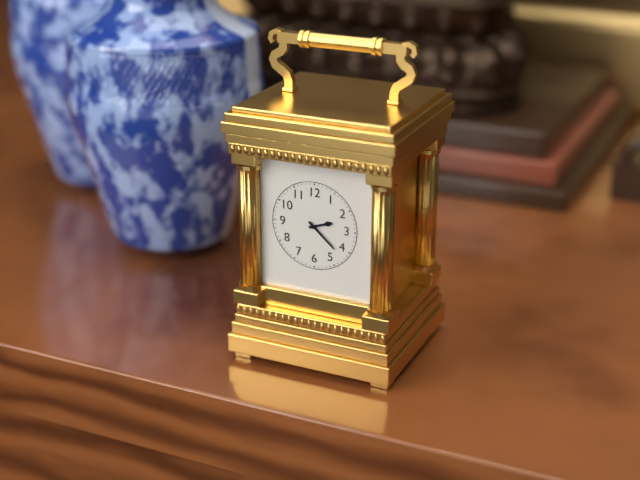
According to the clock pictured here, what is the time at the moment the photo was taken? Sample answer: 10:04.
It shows 2:22
